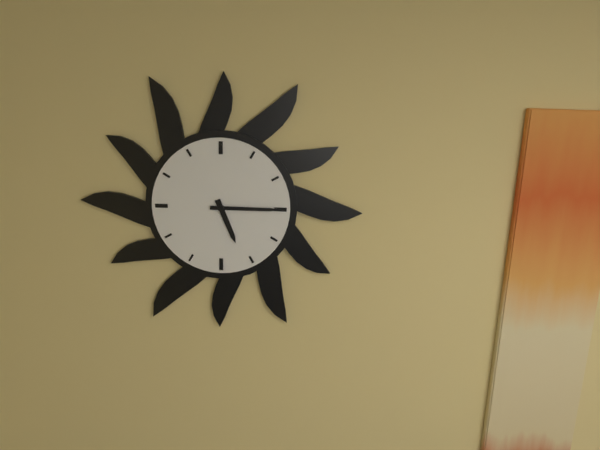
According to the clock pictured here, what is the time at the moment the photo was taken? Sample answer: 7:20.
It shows 5:15
